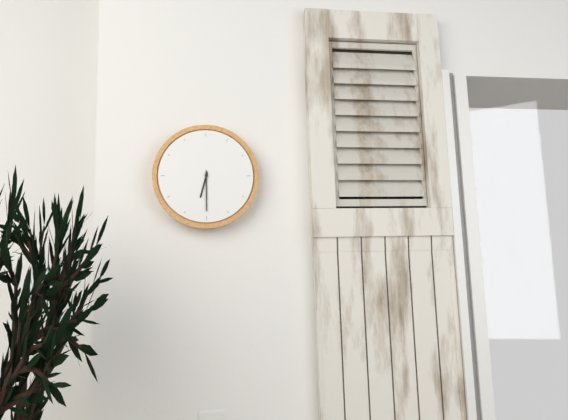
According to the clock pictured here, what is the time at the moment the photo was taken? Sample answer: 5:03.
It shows 6:30
